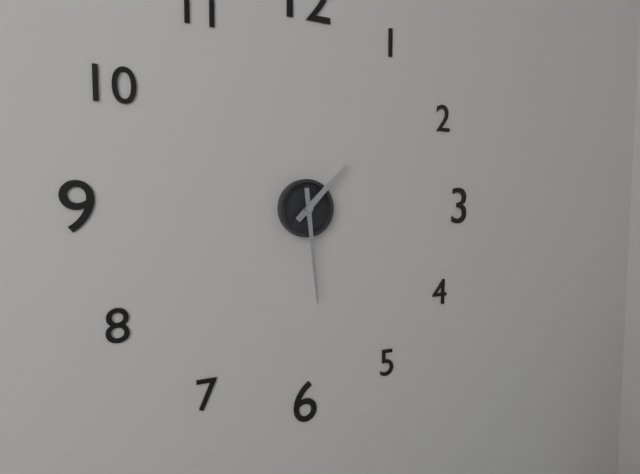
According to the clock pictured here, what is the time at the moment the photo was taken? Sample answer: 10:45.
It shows 1:29
